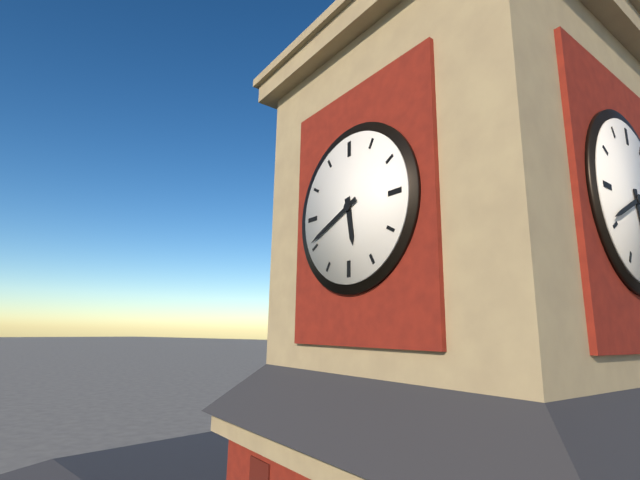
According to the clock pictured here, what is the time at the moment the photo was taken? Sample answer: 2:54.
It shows 5:41
